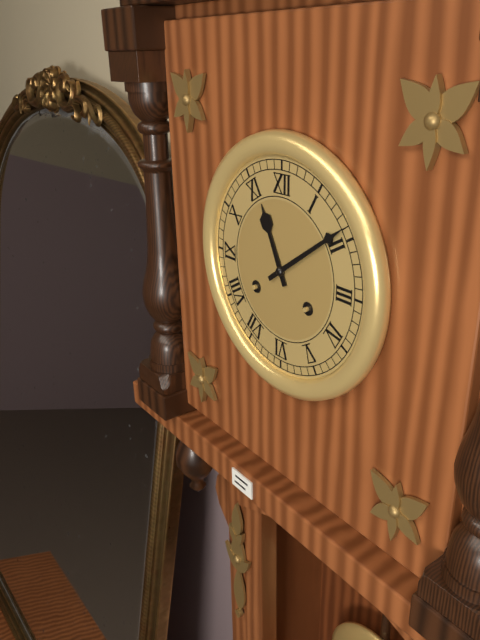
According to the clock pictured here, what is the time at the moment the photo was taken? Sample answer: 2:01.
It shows 11:09
